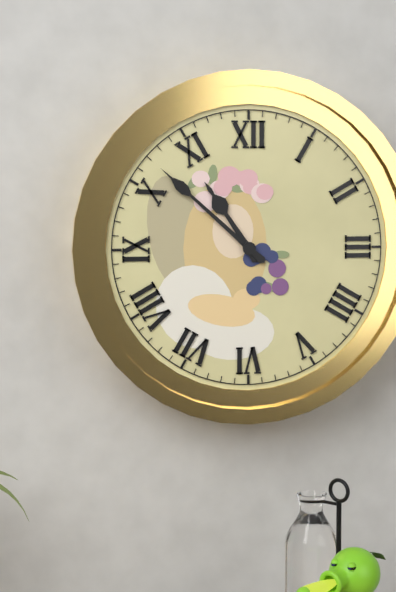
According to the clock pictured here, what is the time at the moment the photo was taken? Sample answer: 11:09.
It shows 10:52
